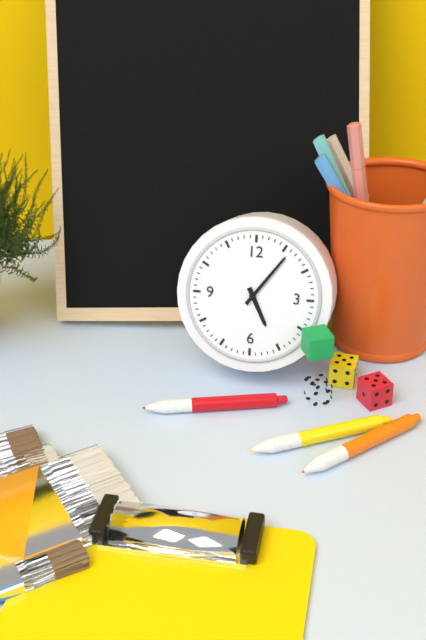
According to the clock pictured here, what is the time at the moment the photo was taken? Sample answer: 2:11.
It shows 5:06
